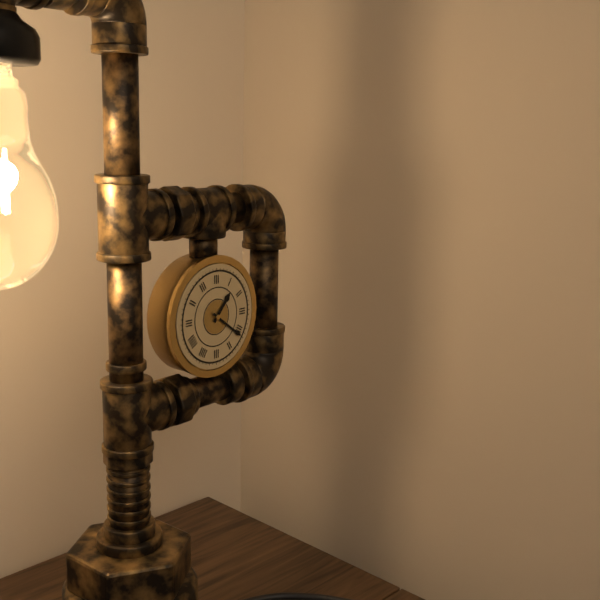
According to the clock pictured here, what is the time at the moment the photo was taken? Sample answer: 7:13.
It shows 1:21
